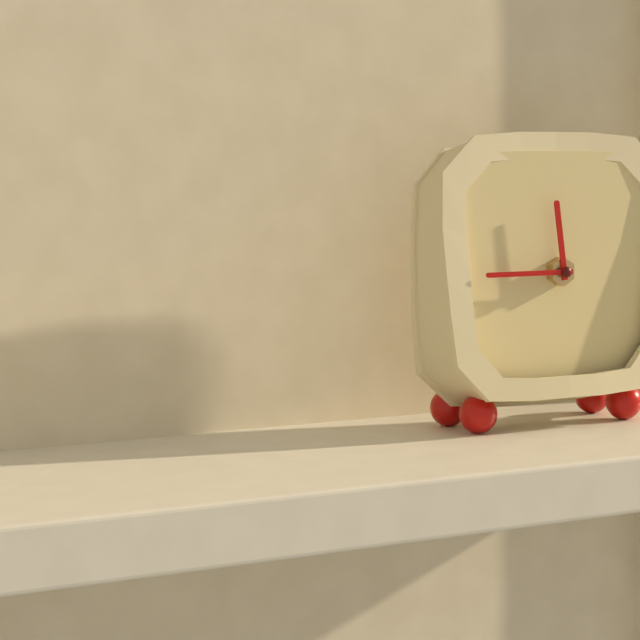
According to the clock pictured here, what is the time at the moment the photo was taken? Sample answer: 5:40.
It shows 11:45
